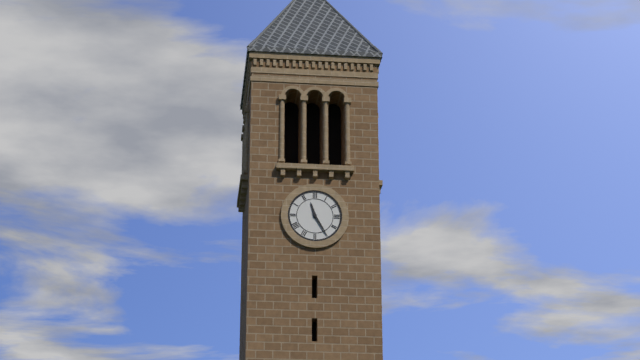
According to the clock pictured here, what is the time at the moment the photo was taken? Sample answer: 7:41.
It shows 11:25
